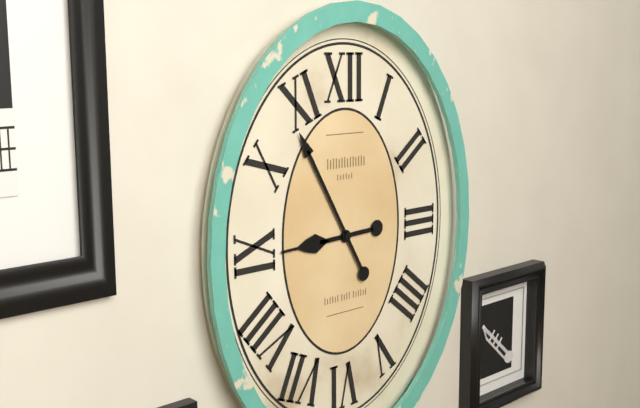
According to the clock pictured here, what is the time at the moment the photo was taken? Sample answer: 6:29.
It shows 8:55
